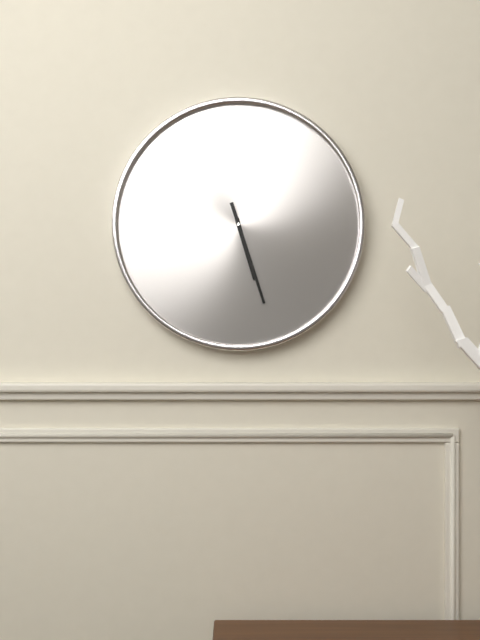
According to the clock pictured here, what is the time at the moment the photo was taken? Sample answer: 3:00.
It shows 5:27
